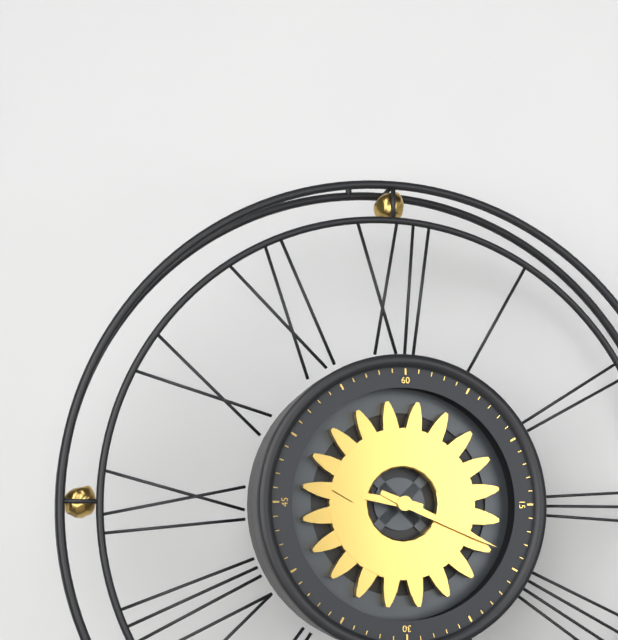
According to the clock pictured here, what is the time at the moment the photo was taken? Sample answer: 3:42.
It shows 9:19
